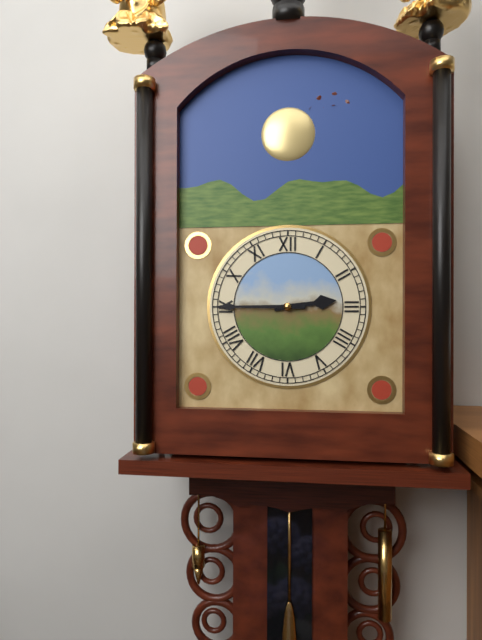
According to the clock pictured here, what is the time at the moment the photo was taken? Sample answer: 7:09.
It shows 2:45
